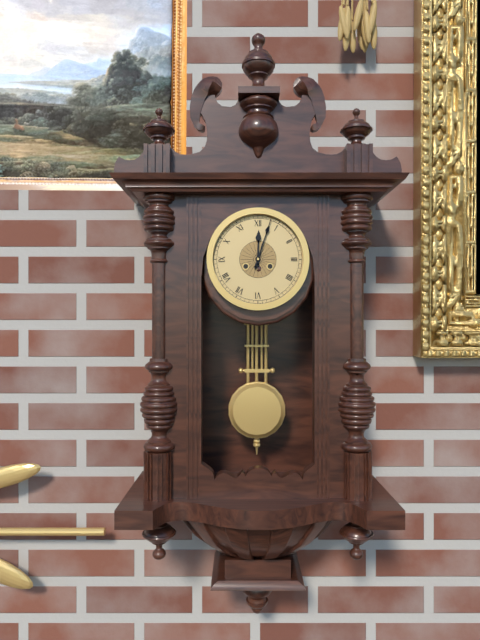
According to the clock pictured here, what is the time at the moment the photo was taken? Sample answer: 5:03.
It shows 12:03
